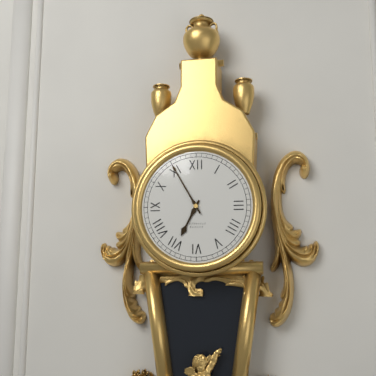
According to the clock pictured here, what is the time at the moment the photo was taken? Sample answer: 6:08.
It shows 6:55
